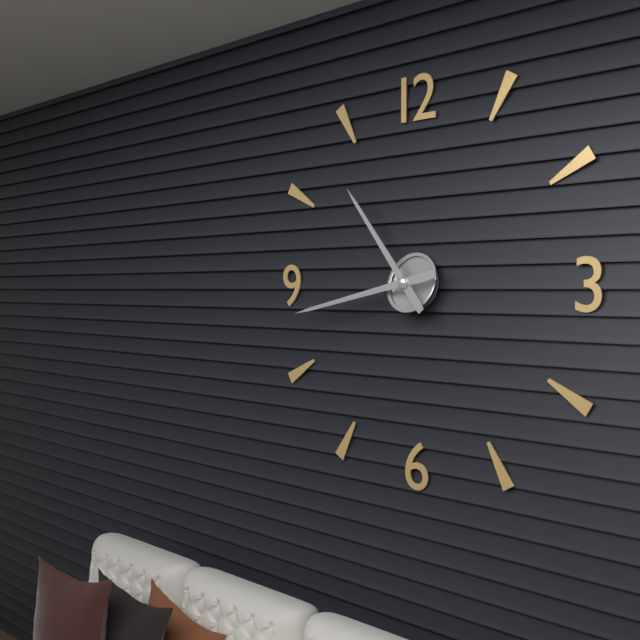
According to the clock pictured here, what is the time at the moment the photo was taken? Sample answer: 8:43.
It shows 10:43
